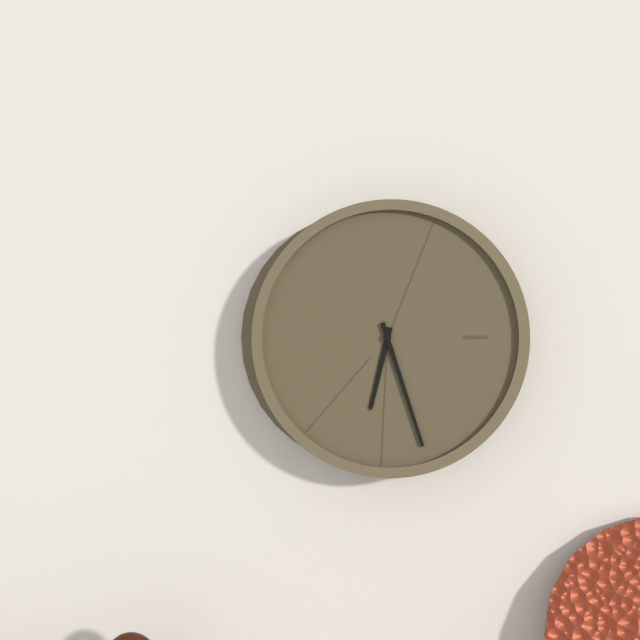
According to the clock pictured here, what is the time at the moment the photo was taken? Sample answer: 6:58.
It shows 6:27
